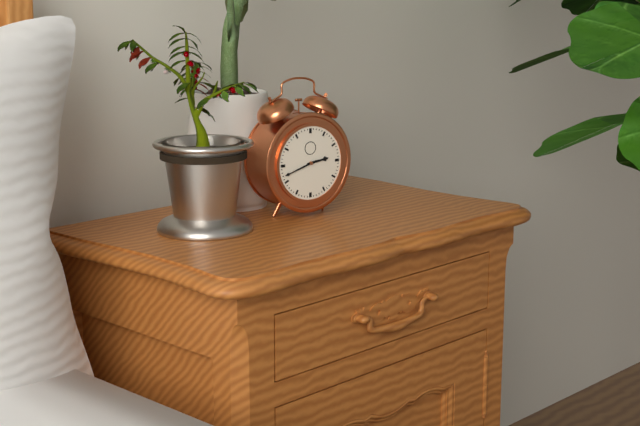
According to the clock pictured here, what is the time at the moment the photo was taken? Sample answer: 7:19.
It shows 2:42
